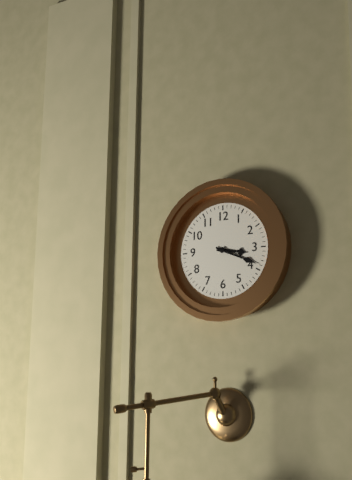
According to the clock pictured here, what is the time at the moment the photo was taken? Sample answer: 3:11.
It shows 3:19
